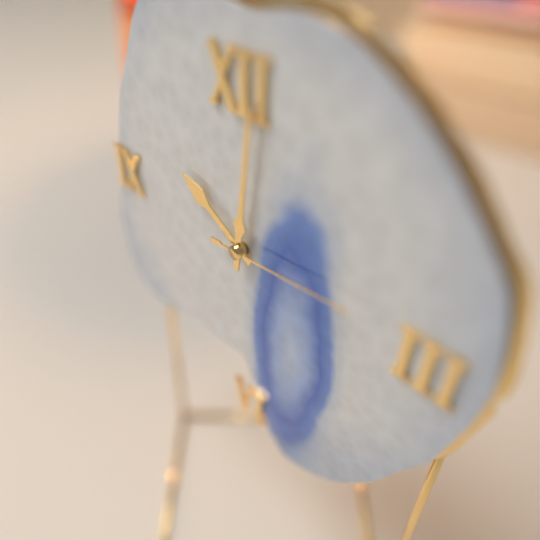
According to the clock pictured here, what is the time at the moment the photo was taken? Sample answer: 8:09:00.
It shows 10:01:14
